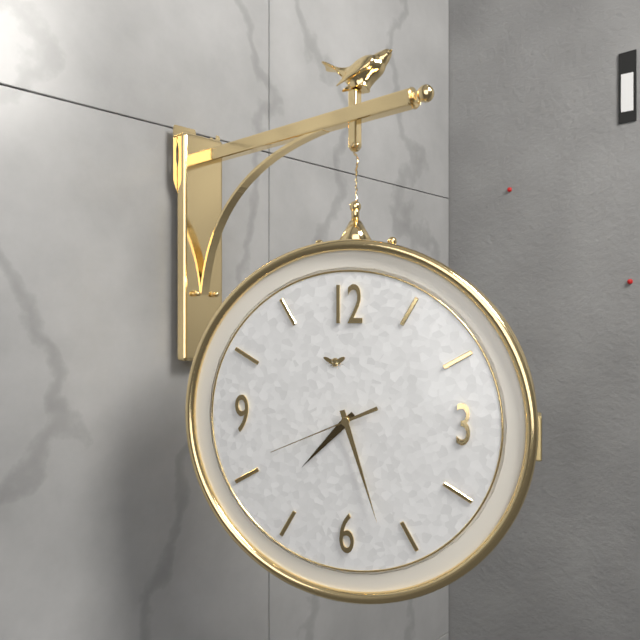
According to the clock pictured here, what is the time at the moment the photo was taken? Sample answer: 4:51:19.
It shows 7:27:41
